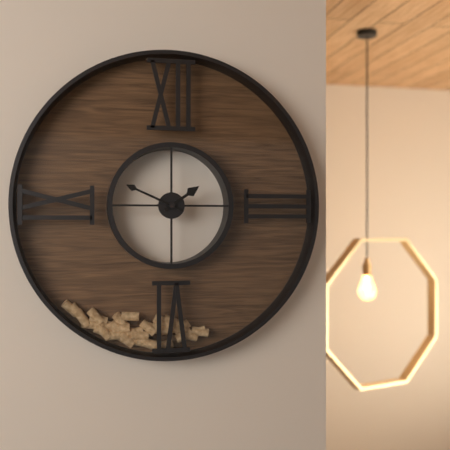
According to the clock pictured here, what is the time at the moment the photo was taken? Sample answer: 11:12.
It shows 1:49
